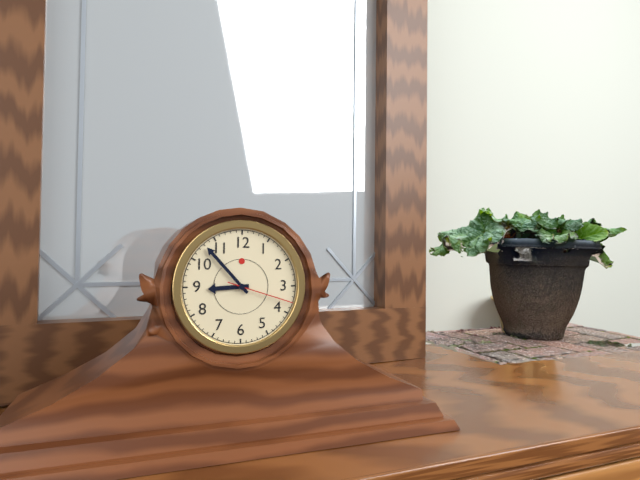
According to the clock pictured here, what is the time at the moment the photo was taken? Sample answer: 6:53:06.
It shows 8:53:18
